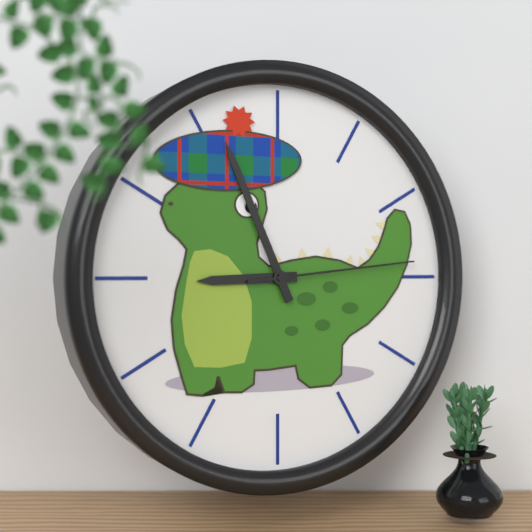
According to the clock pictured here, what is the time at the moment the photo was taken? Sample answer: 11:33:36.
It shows 8:56:14
